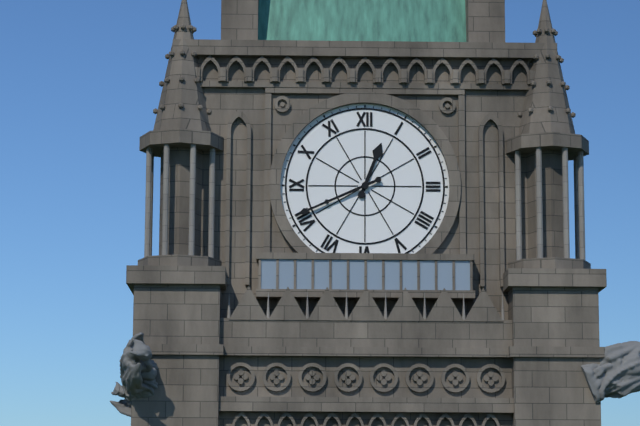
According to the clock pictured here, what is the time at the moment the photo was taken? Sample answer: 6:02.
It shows 12:41
